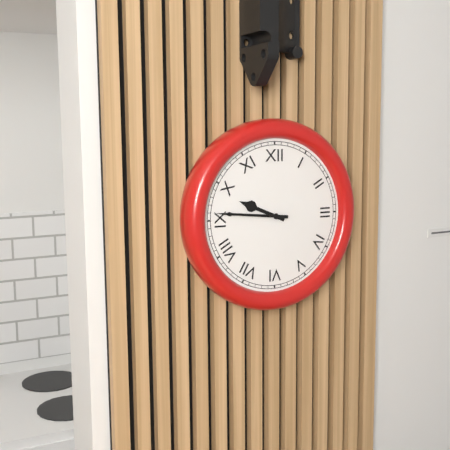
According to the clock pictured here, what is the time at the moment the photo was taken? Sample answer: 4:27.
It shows 9:46
